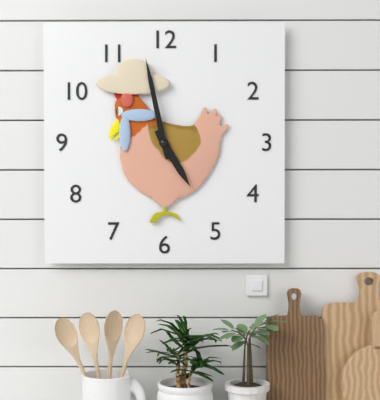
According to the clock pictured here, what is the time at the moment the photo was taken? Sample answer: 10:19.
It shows 4:58
